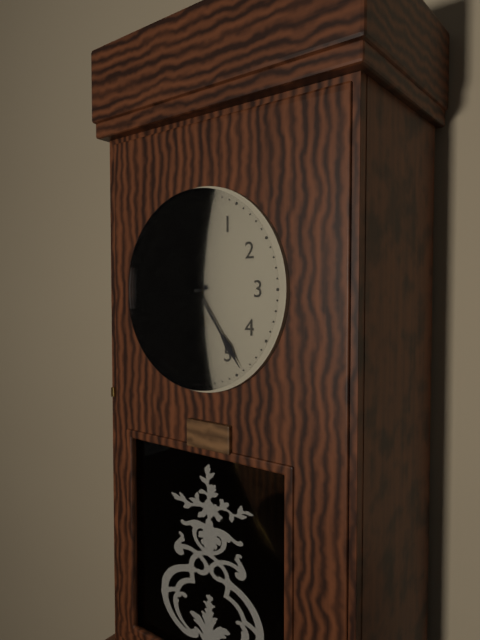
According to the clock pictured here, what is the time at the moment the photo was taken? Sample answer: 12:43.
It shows 8:24
